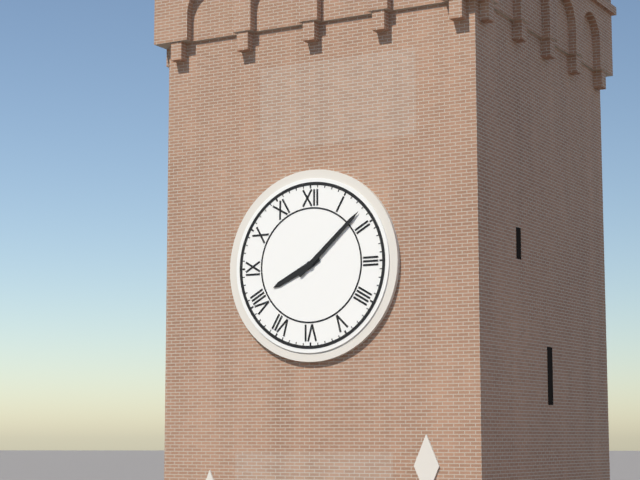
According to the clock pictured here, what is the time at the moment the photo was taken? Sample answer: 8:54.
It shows 8:08
